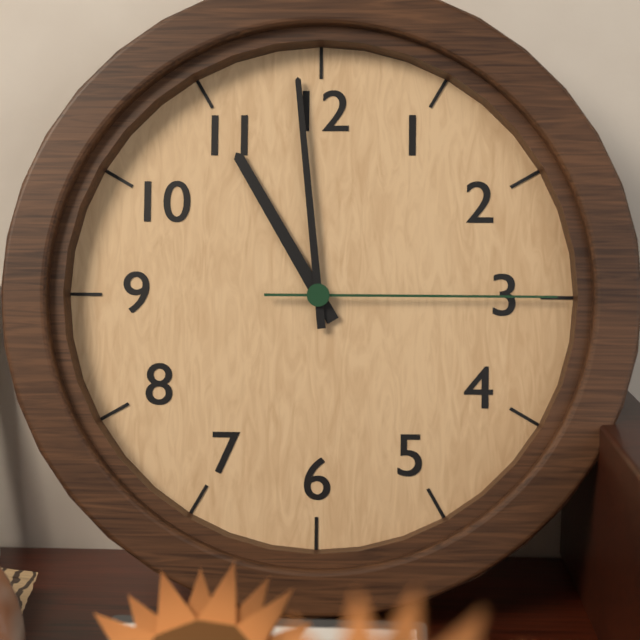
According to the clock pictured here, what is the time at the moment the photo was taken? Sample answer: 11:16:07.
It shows 10:59:15
